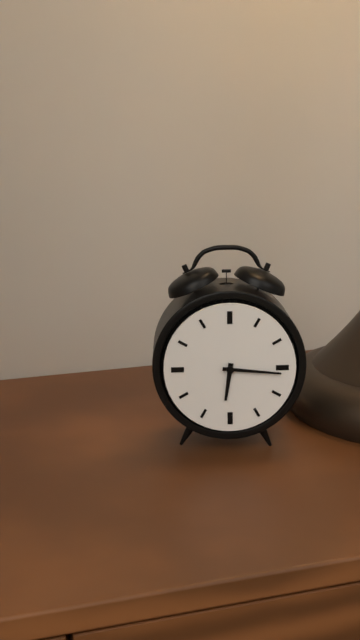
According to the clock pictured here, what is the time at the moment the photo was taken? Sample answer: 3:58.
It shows 6:16
